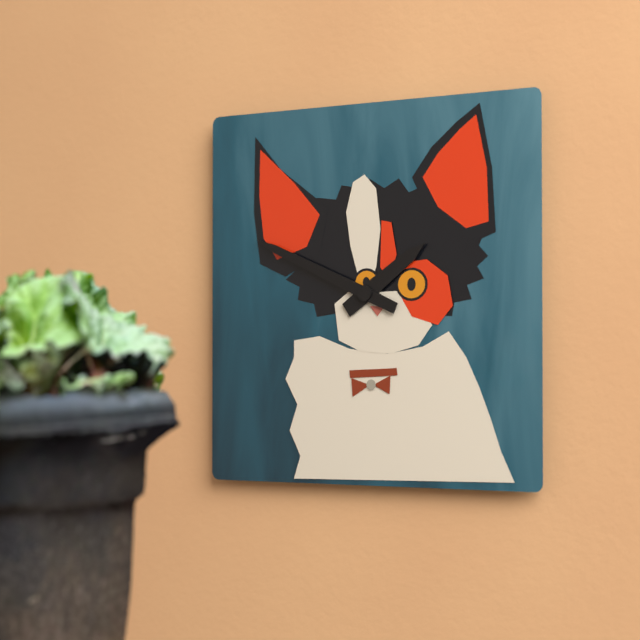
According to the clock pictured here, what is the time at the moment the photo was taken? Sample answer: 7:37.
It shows 1:49
